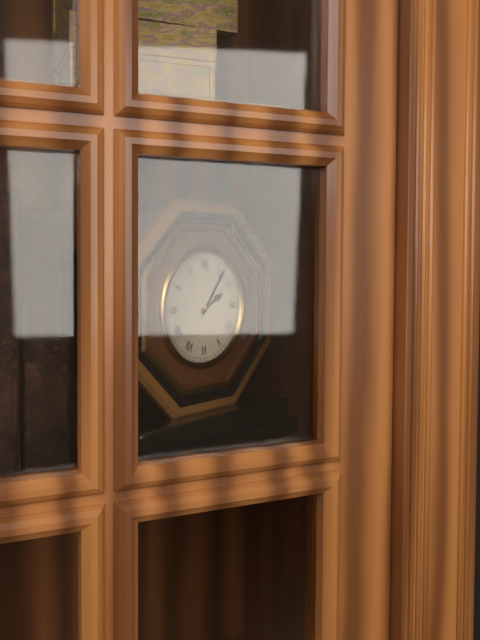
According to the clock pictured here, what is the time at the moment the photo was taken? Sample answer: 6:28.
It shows 2:06
